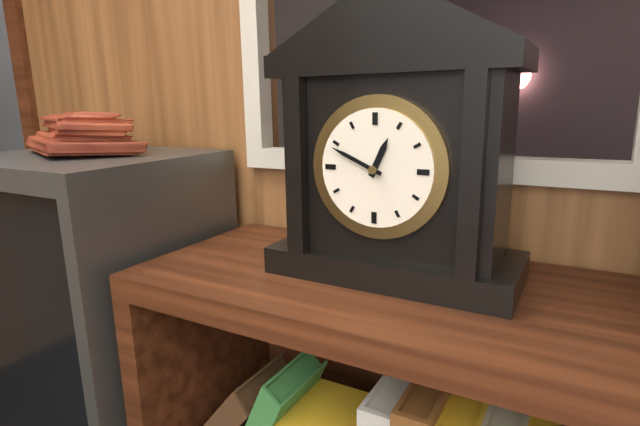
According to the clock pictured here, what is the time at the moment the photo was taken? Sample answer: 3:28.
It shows 12:49
